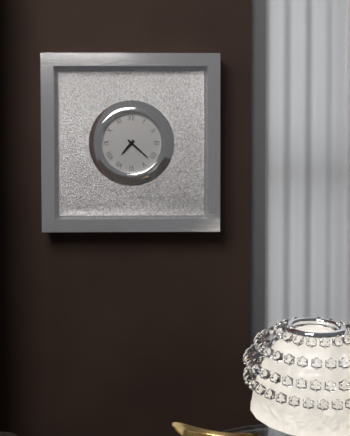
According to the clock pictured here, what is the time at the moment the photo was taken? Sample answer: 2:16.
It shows 7:22
